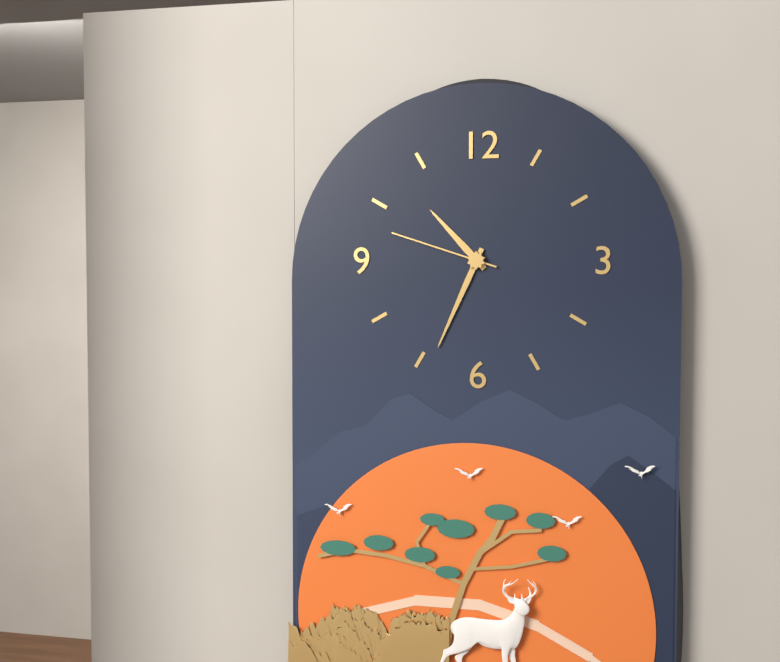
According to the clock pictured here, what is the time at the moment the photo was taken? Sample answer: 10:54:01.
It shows 10:34:48
